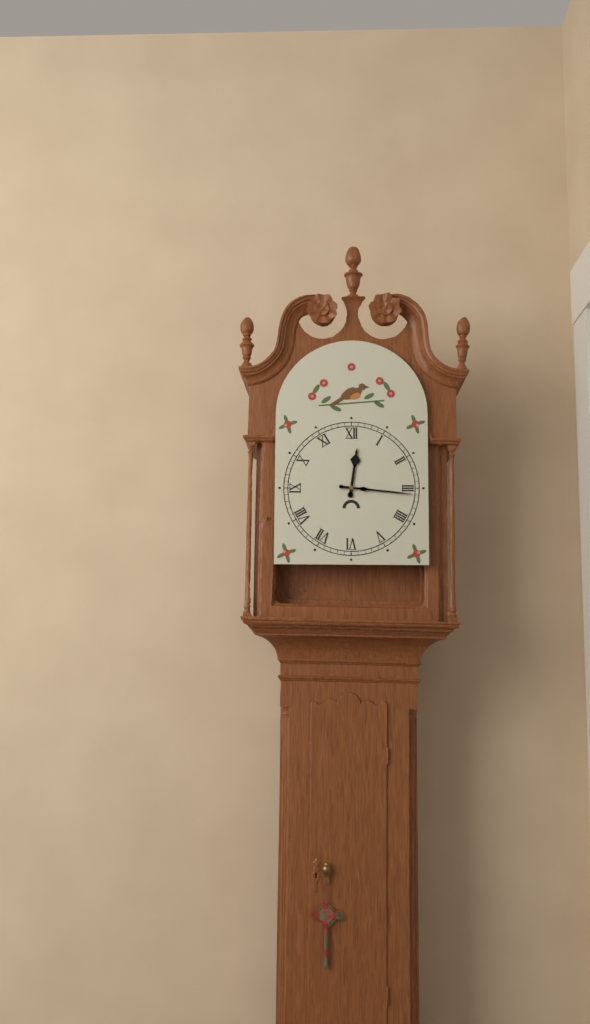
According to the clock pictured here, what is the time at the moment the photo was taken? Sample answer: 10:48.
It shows 12:16
